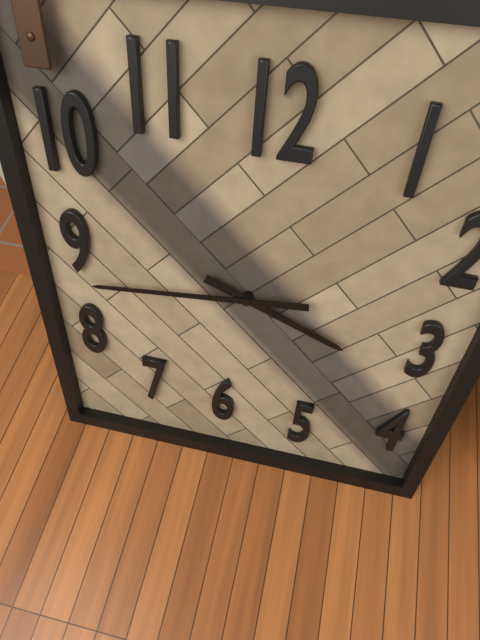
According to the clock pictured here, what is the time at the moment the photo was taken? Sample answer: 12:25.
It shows 3:44
